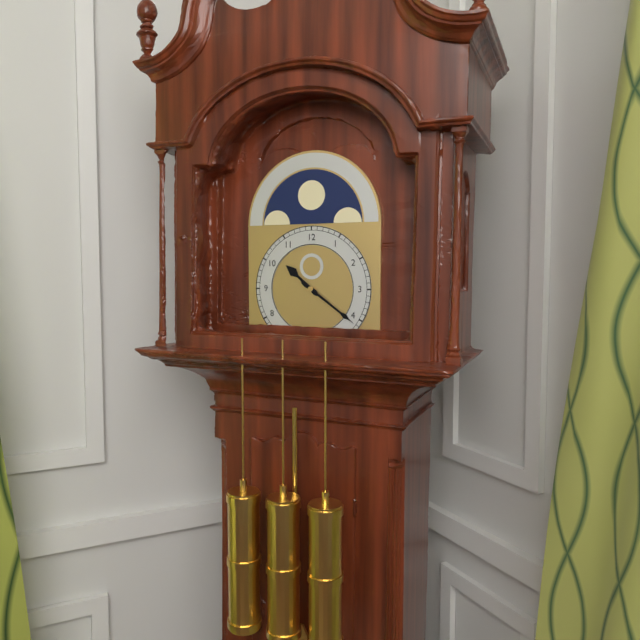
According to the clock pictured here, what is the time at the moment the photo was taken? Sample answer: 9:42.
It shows 10:21
